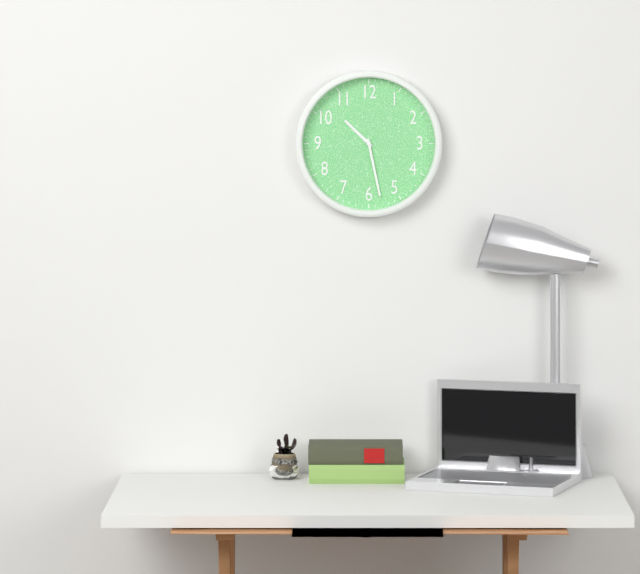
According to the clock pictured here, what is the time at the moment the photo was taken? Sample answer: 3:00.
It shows 10:28
